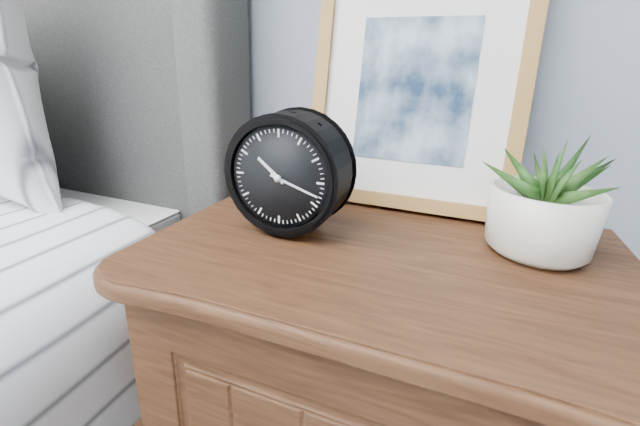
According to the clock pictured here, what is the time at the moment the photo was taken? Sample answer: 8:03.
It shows 10:18
